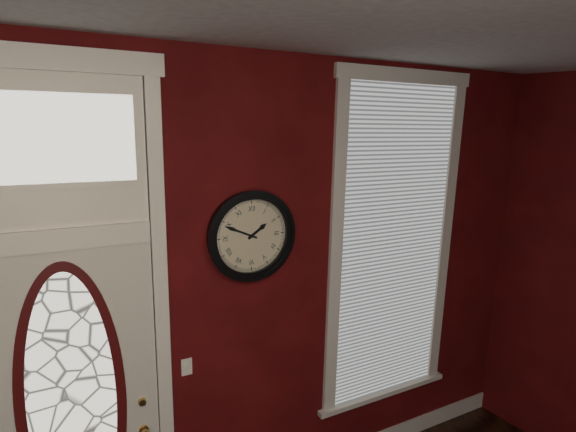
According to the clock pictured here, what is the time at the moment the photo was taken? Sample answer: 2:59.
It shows 1:49
